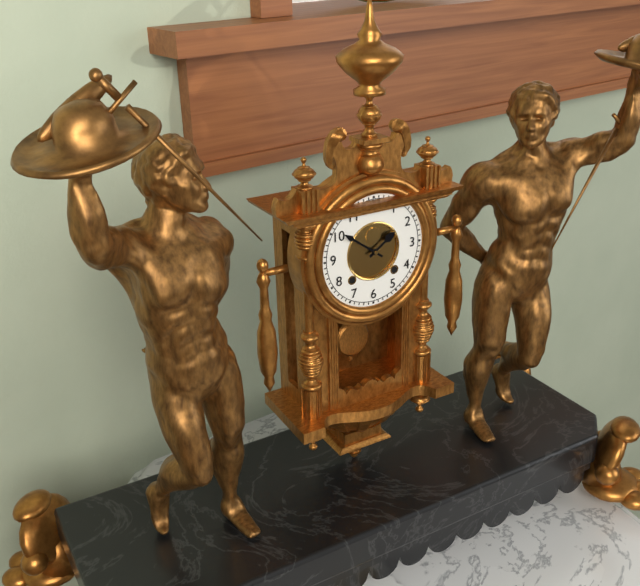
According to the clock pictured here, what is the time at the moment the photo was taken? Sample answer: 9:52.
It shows 1:51
